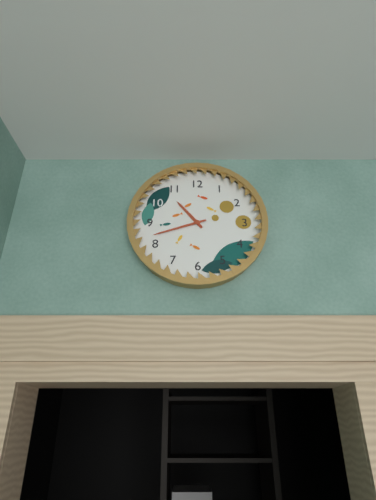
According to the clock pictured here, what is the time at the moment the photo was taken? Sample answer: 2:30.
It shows 10:42
